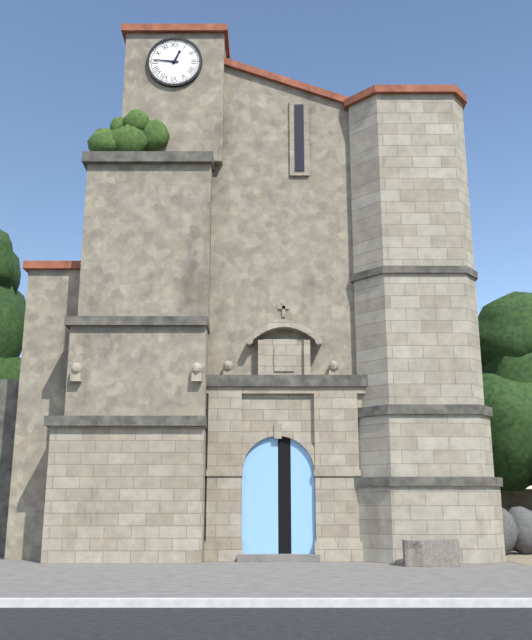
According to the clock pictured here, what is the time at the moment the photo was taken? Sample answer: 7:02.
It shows 12:46
